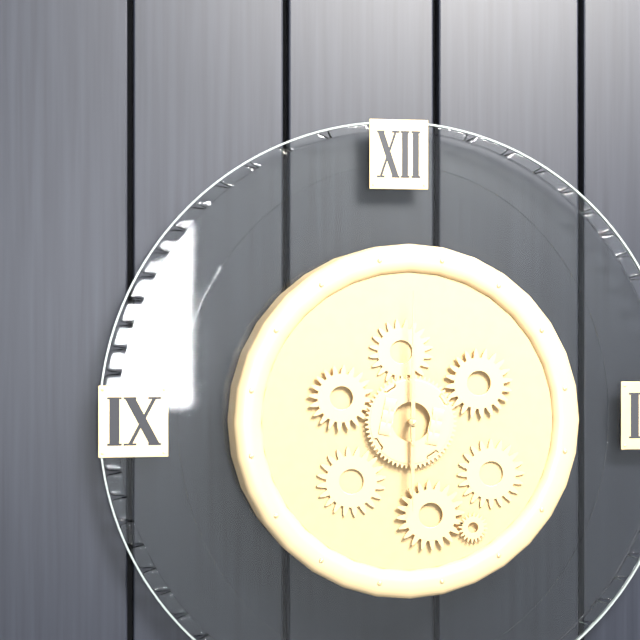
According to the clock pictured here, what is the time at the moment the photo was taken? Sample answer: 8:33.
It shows 6:00
